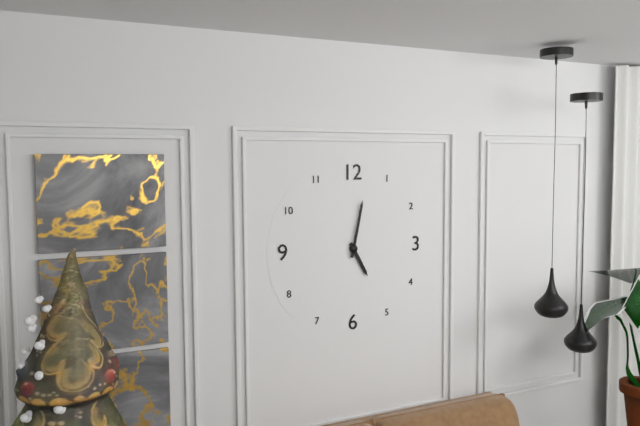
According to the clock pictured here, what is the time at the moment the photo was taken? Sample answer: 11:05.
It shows 5:02
